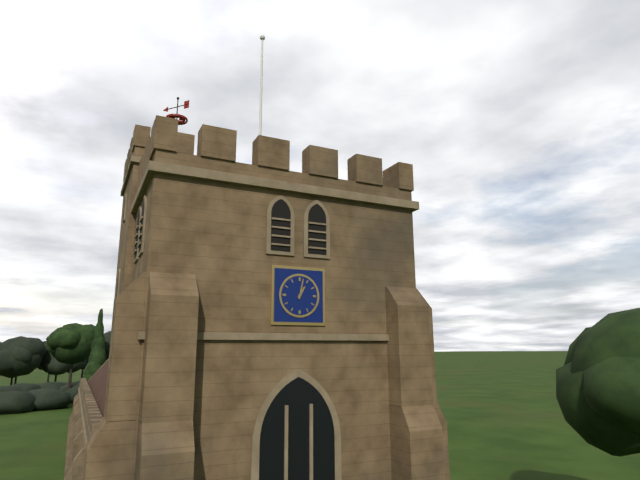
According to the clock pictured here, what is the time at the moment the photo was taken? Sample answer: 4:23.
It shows 1:02
